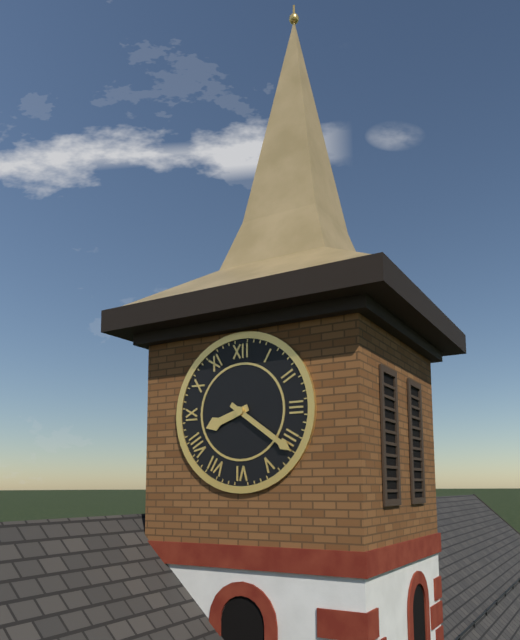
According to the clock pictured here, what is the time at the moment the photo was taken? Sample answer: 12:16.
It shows 8:21
